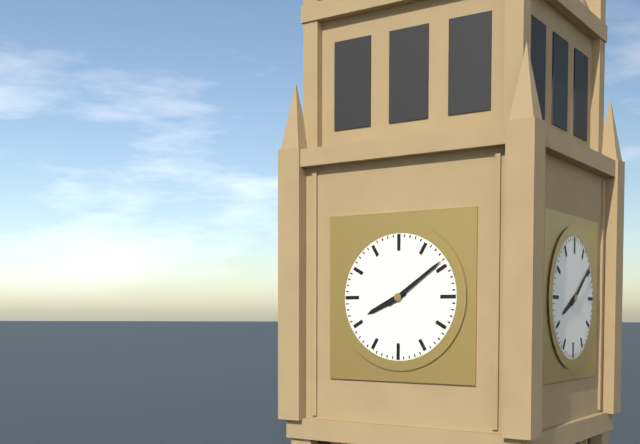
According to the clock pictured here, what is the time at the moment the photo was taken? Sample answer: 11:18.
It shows 8:09
